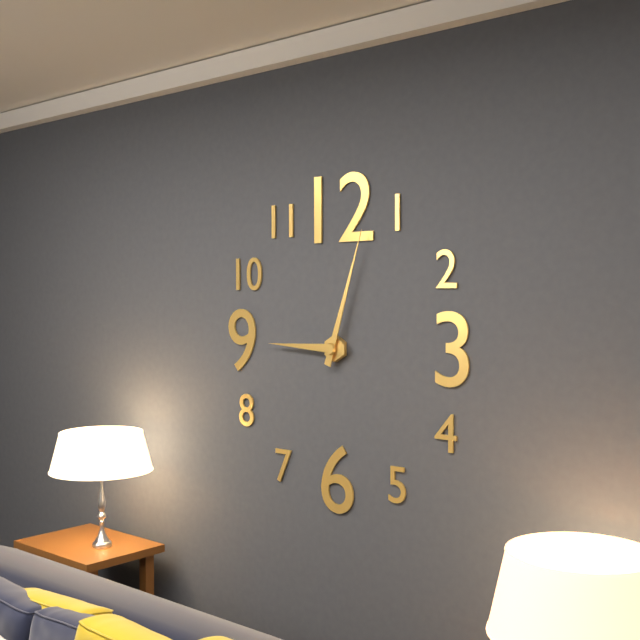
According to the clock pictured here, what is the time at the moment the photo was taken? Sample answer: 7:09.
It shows 9:03
